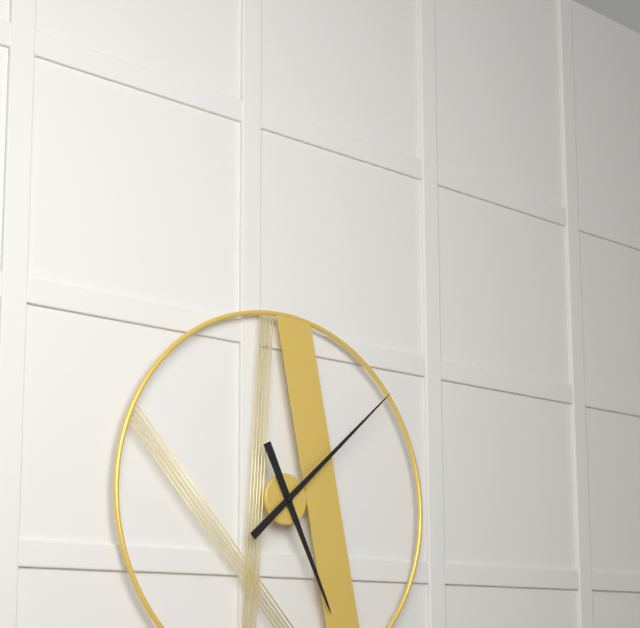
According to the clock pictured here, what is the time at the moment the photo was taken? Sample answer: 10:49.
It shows 5:08
